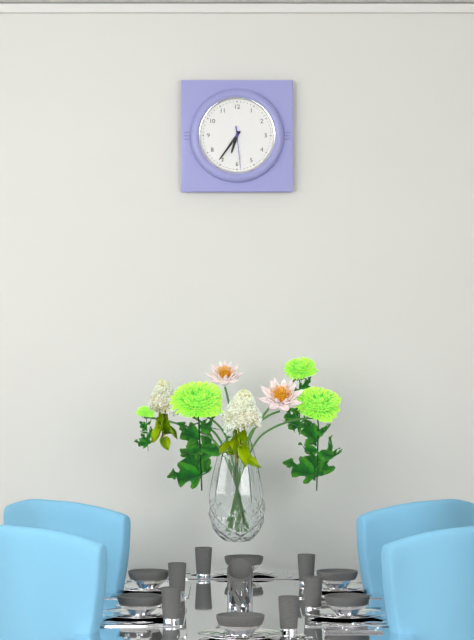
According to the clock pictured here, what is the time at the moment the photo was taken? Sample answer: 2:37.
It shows 6:36
